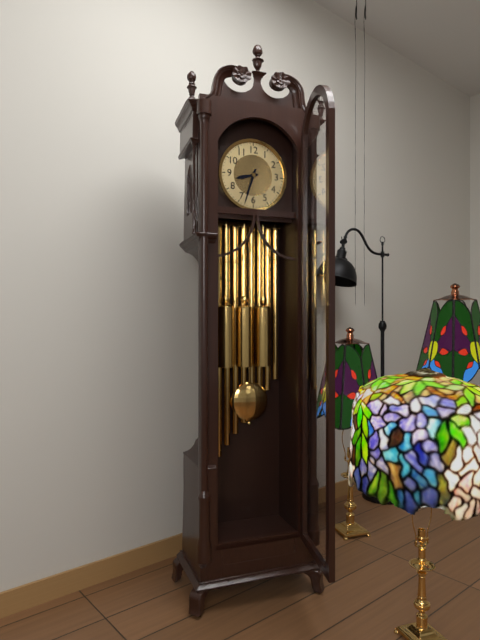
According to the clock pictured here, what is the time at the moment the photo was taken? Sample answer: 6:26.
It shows 8:33
